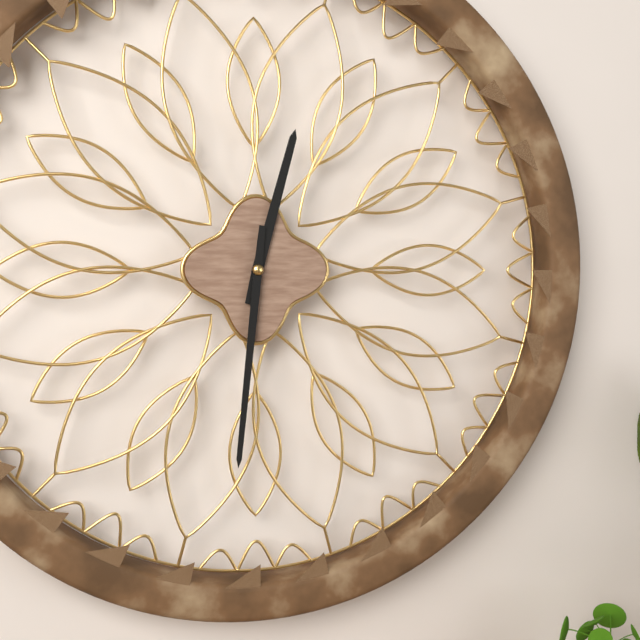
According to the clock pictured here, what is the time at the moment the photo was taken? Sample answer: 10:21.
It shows 12:31
